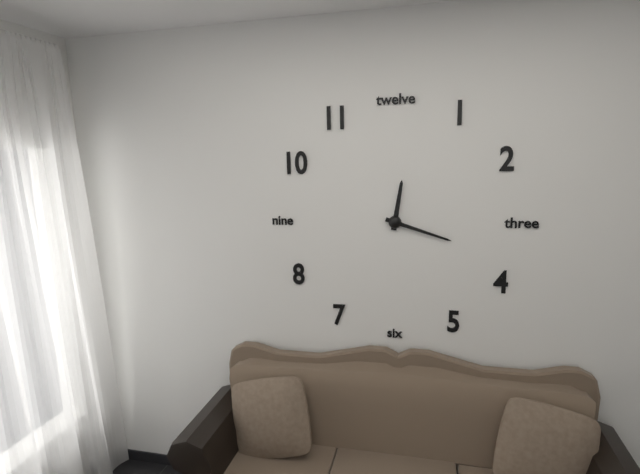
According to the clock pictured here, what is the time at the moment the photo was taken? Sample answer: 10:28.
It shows 12:18
